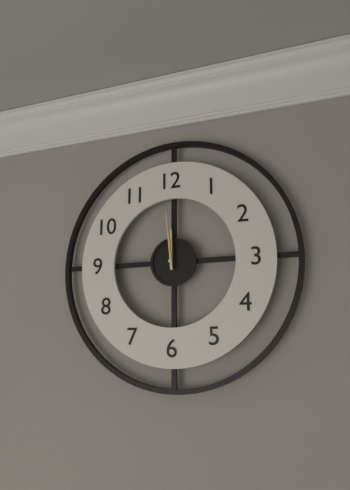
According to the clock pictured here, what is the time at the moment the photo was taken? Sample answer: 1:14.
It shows 11:59
